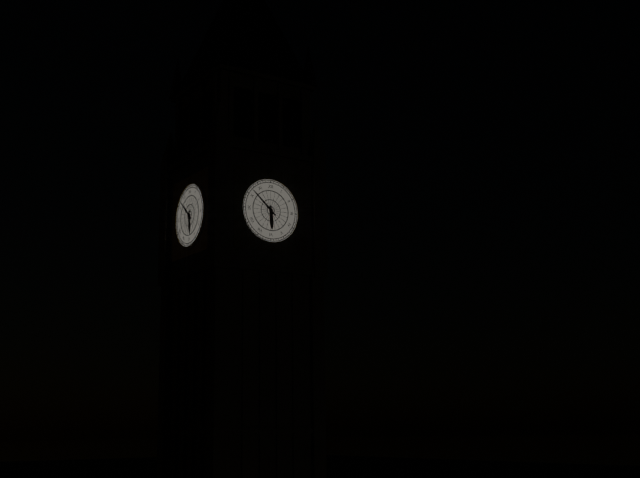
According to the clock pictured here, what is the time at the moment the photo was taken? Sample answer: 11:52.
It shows 5:52
